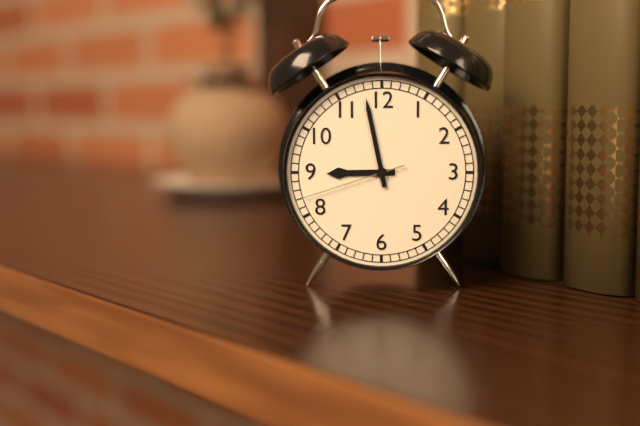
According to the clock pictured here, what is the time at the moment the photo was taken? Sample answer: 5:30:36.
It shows 8:58:42
